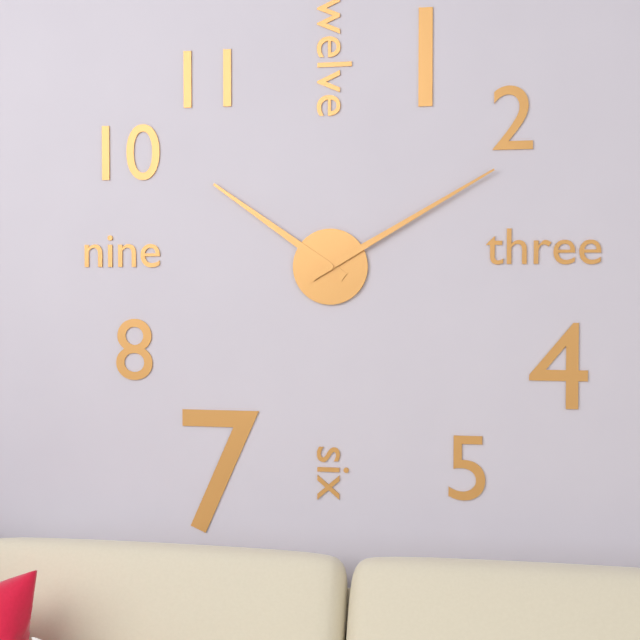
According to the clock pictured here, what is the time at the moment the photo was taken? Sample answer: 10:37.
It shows 10:10
